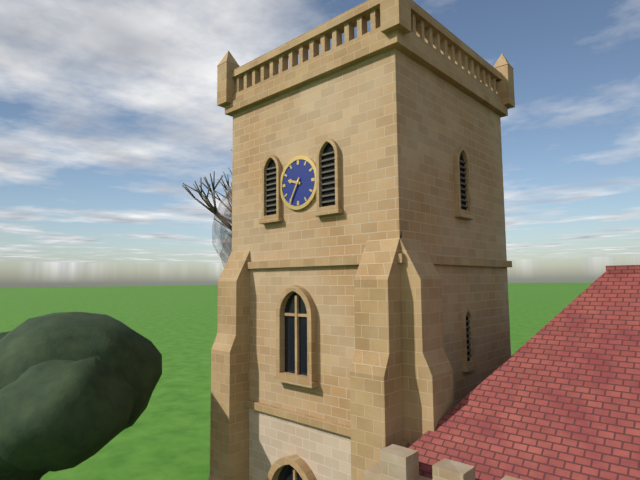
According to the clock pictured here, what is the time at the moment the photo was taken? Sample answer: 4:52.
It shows 9:35
